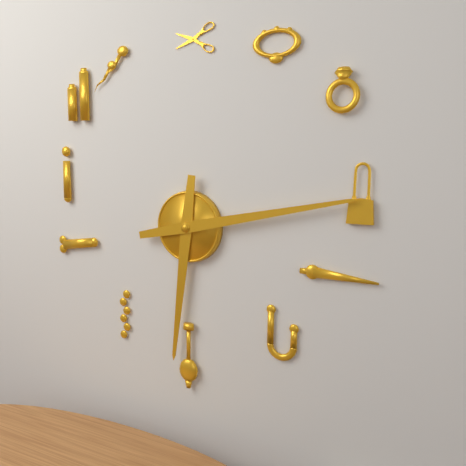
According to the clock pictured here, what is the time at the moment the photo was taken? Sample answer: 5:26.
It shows 6:13
